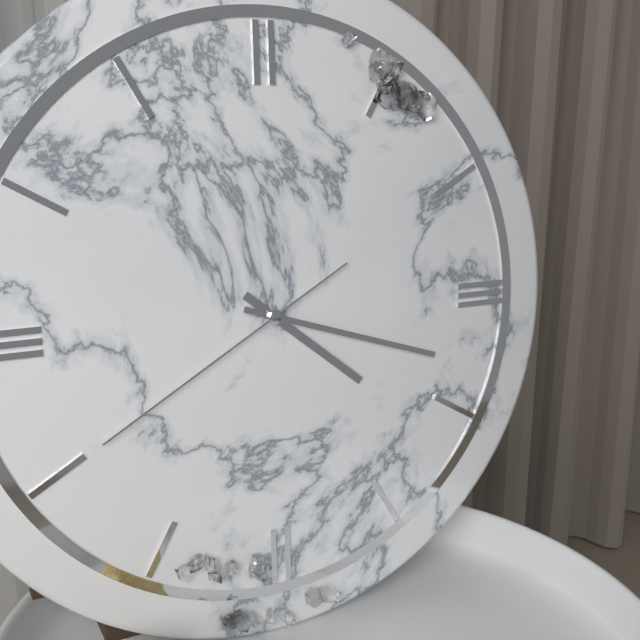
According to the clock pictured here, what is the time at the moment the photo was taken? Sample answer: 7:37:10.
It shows 4:18:40
